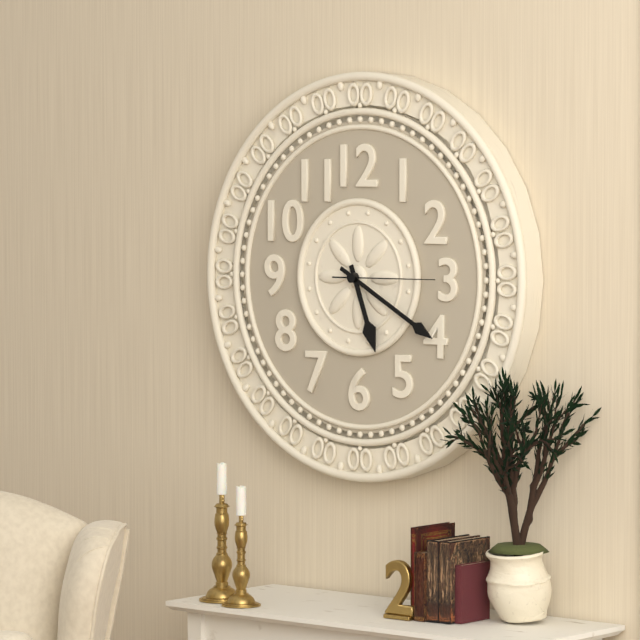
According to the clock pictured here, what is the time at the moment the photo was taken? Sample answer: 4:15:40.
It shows 5:20:15
